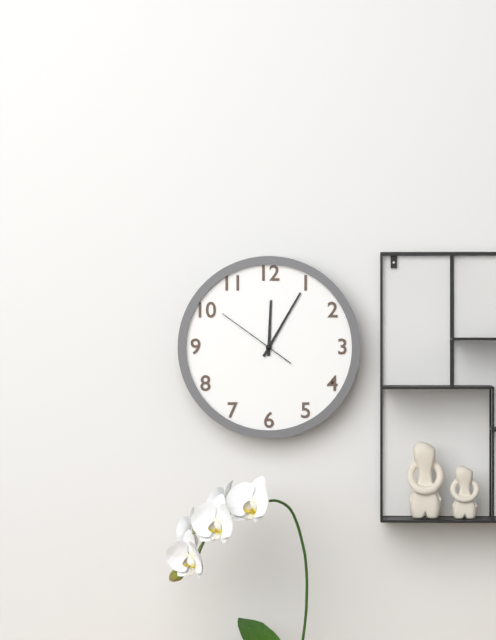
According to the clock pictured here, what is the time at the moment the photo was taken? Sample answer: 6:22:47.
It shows 12:05:51
